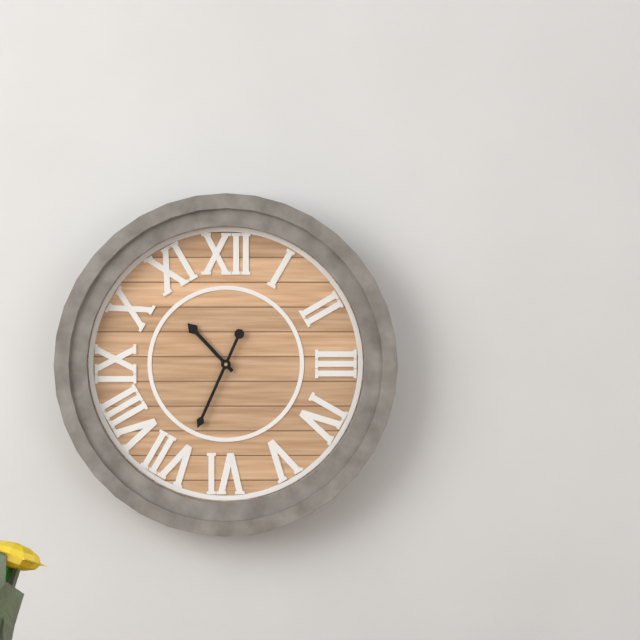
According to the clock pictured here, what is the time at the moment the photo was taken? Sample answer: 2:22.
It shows 10:34
